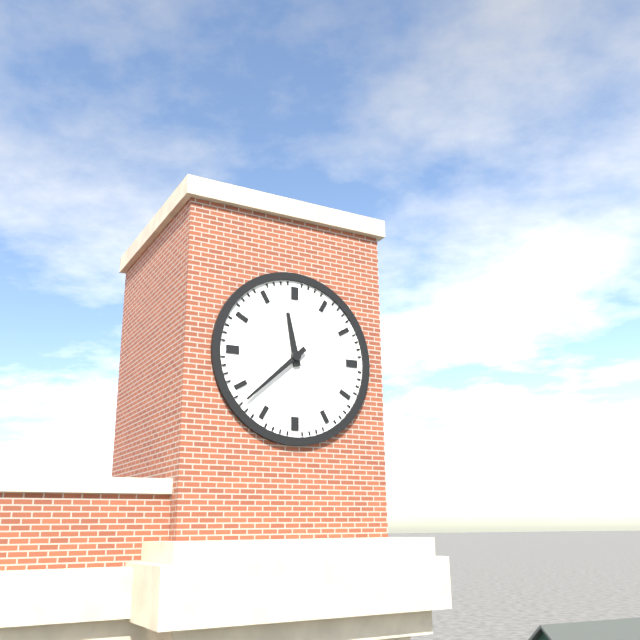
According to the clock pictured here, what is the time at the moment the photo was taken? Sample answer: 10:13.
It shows 11:38
